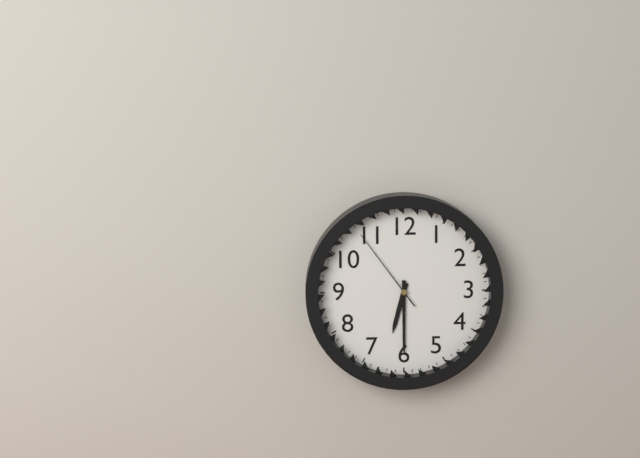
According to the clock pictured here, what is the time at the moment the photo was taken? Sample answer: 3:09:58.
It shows 6:30:54
